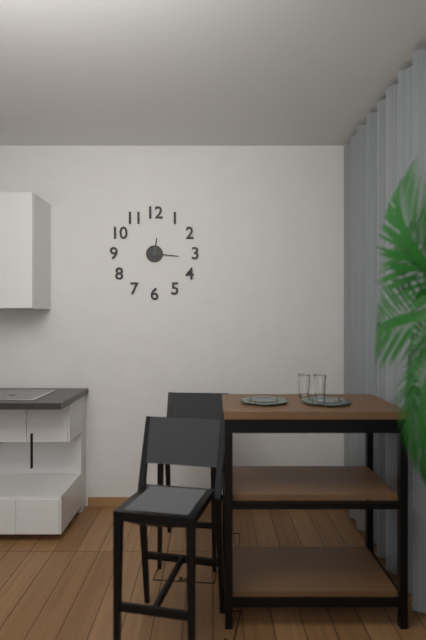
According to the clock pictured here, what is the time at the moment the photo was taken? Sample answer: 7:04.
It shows 12:16
